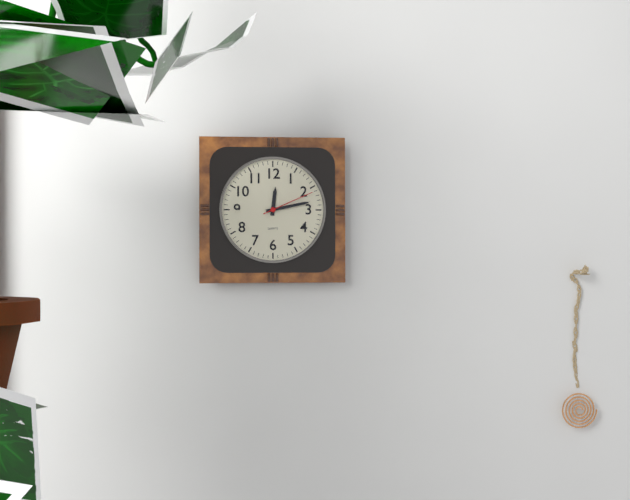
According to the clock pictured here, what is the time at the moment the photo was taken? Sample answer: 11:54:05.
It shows 12:13:11
